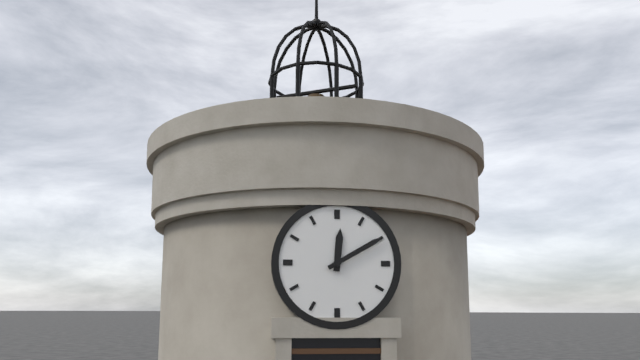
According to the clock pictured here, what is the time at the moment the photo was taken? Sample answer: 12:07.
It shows 12:10
